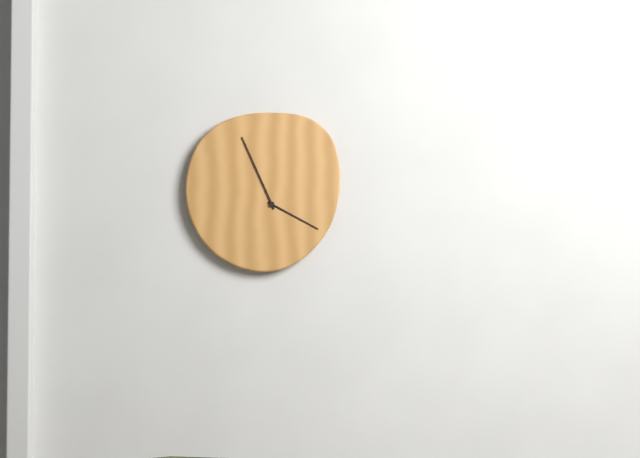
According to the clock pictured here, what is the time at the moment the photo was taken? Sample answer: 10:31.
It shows 3:56
